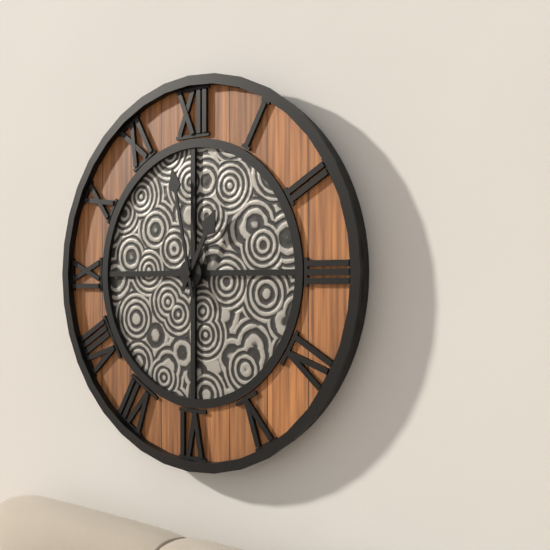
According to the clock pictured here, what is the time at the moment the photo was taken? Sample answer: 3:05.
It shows 12:58
